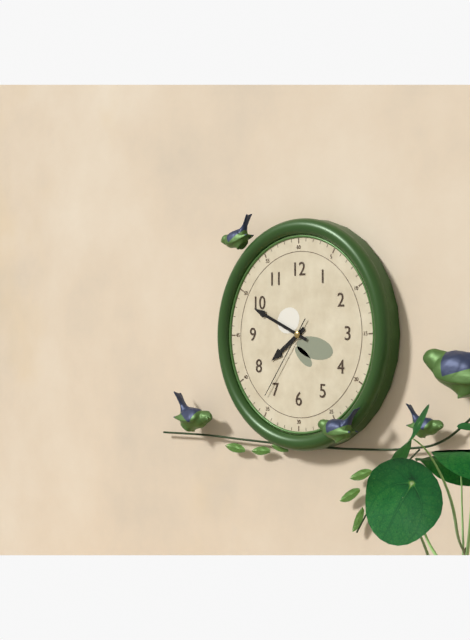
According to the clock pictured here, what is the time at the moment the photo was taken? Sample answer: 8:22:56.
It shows 7:49:36
